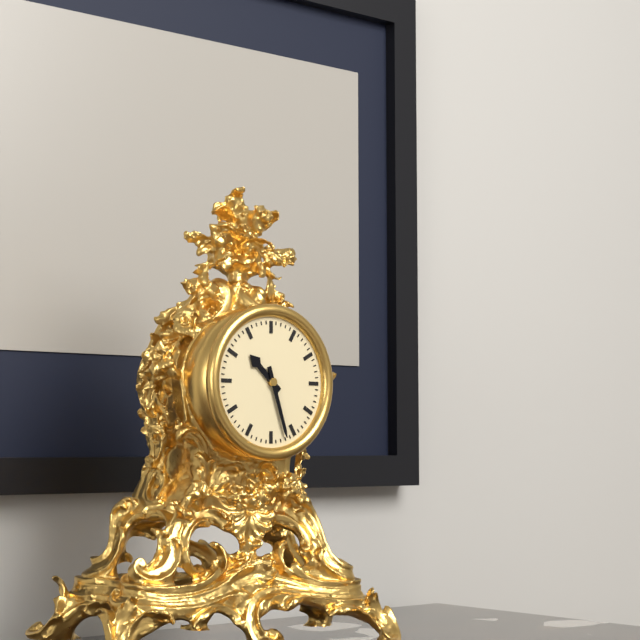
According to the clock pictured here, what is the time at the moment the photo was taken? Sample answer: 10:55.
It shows 10:27
